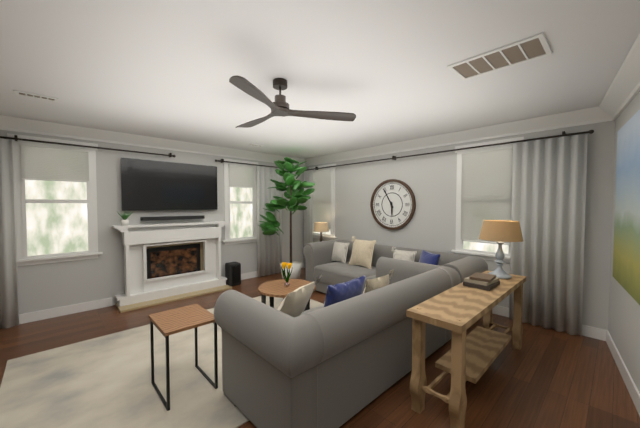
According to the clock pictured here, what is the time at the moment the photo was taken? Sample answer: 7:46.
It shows 5:55
